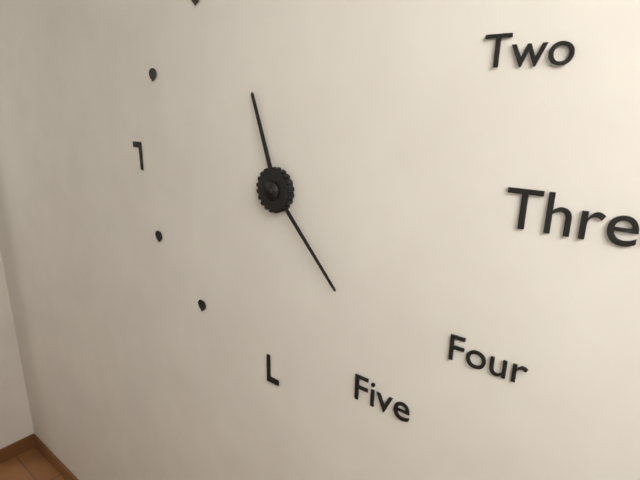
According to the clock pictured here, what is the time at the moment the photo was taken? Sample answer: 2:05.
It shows 11:23
